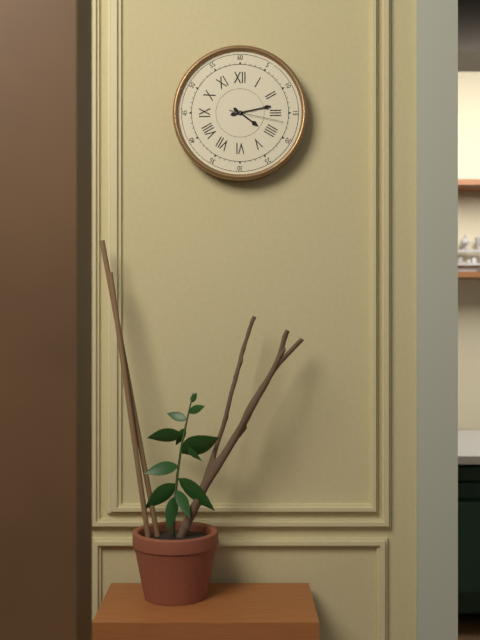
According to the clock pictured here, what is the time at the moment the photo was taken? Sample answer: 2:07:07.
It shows 4:13:17
